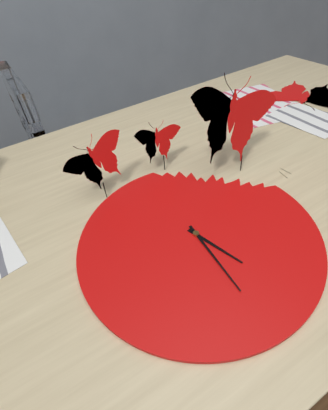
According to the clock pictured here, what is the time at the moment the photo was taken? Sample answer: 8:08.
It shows 5:31
